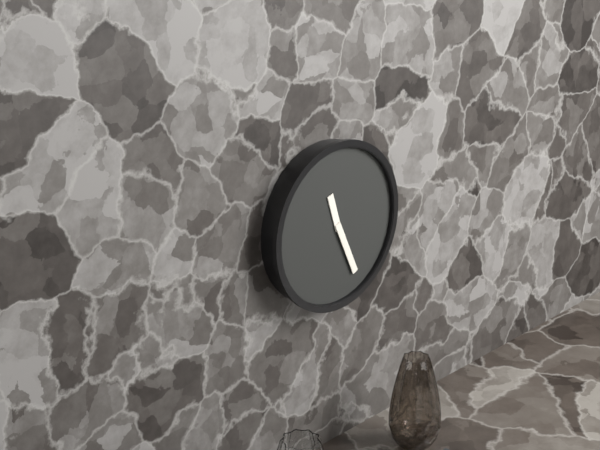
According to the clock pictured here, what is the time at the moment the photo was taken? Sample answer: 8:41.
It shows 11:26
